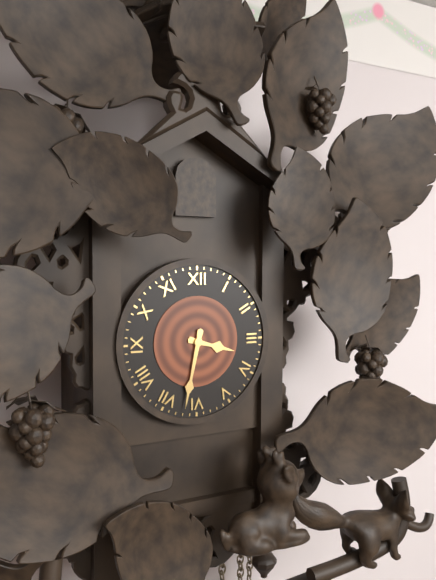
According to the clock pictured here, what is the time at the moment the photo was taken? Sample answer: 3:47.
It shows 3:32
